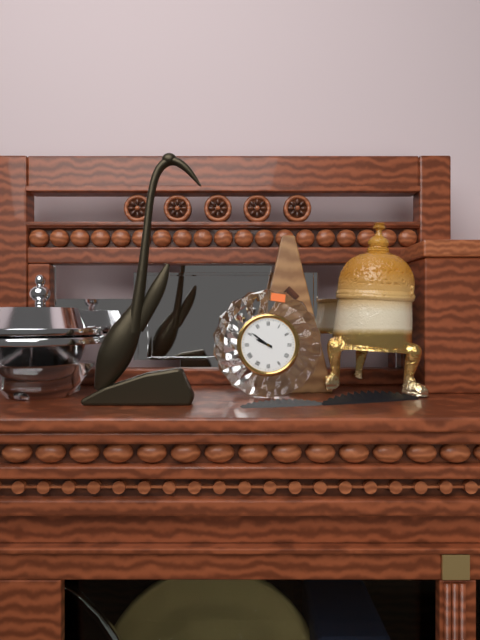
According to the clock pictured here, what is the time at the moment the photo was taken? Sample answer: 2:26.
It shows 9:51
